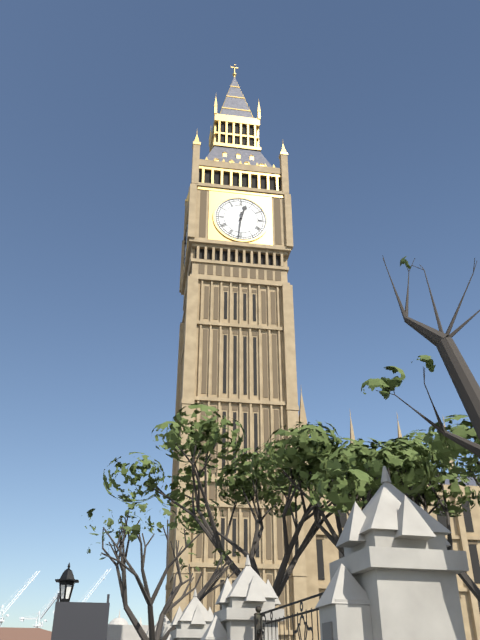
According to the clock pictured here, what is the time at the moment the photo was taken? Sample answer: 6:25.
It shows 12:31
